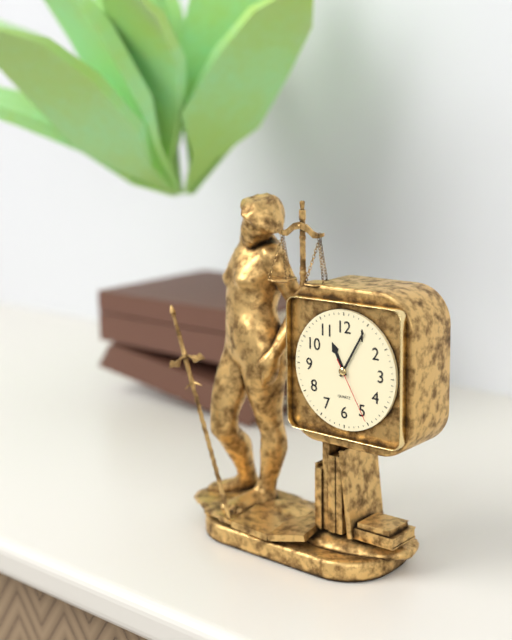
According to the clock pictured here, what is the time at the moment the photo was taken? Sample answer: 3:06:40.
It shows 11:05:25
